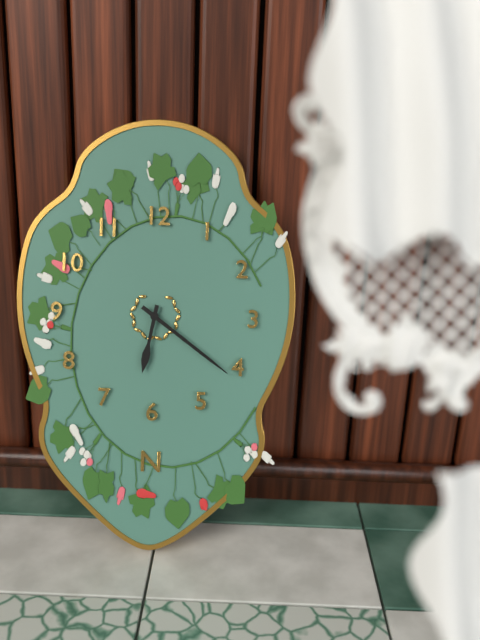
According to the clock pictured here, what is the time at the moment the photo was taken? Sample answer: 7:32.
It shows 6:21
